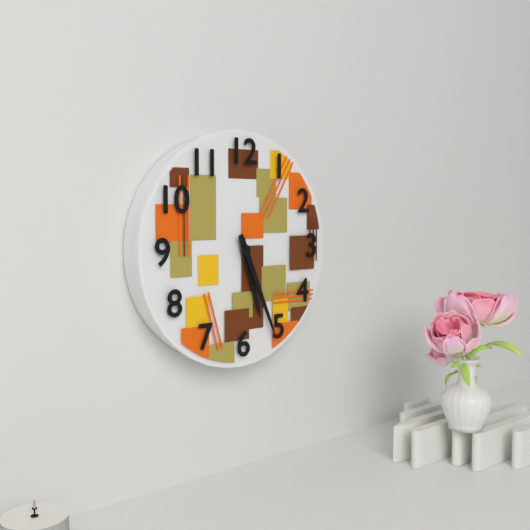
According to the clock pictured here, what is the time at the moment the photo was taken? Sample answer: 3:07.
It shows 5:26
